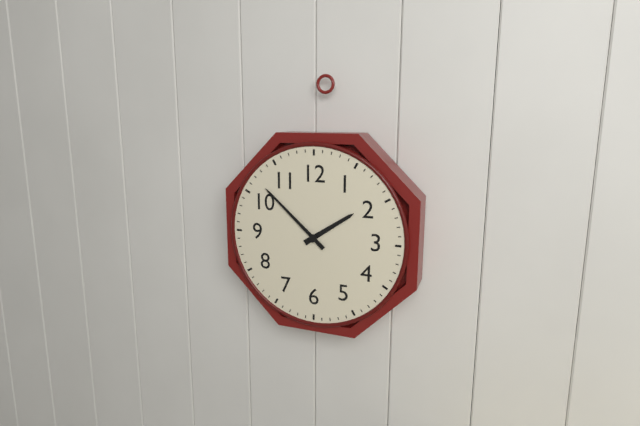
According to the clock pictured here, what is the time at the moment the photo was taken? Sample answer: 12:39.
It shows 1:52
